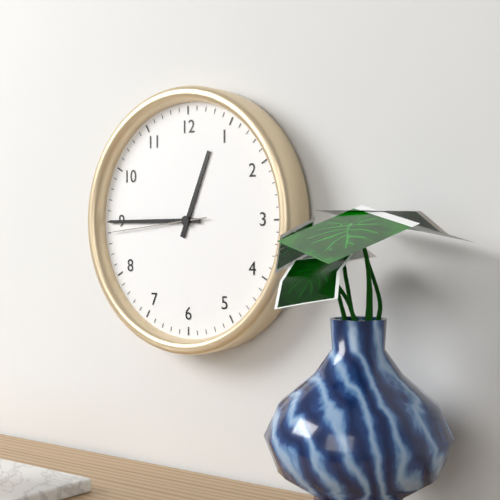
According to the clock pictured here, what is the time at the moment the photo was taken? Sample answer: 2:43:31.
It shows 12:45:44
